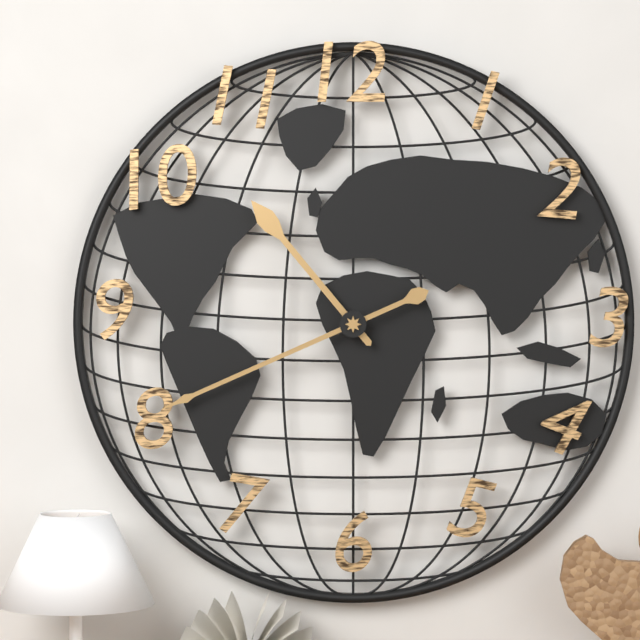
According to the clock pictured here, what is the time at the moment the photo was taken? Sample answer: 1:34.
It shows 10:41
